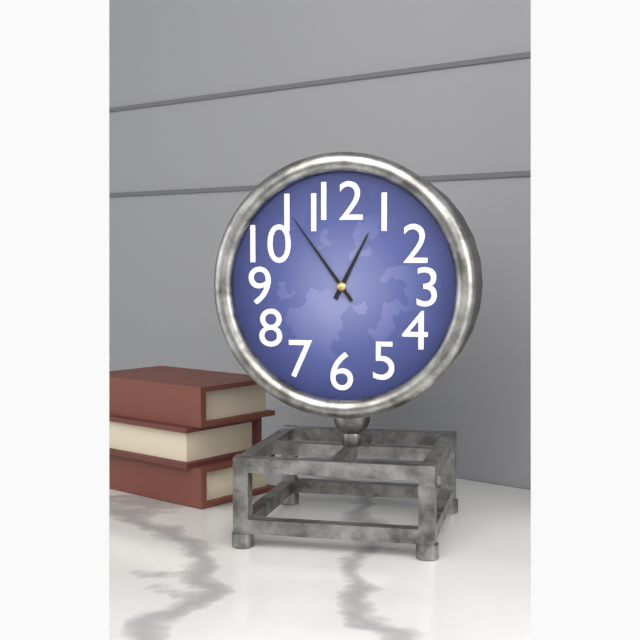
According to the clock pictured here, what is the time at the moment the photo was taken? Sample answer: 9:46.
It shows 12:54
